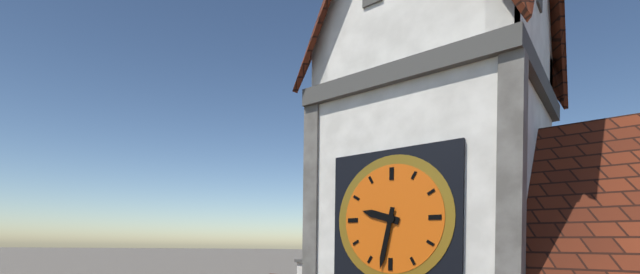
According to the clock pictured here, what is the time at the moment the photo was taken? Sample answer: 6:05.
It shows 9:32
